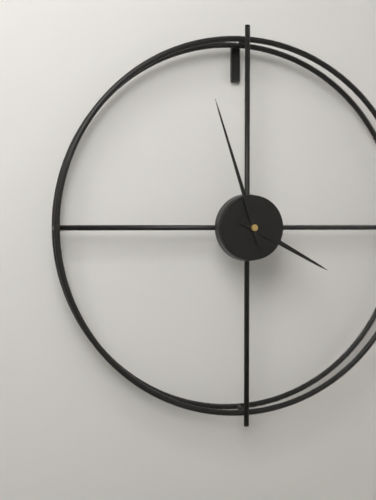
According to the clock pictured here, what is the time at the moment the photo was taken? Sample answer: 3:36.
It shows 3:57
